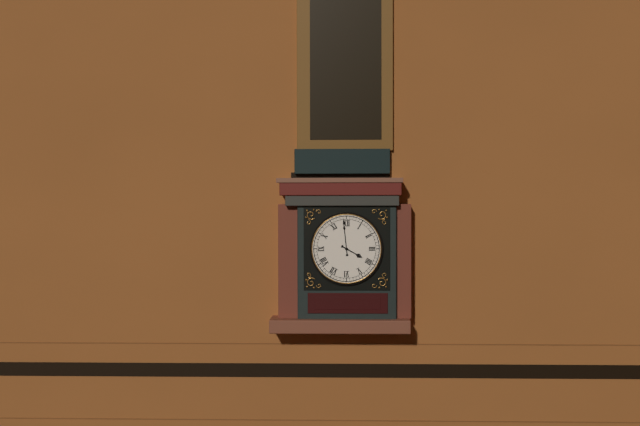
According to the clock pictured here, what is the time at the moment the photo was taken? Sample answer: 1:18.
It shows 3:59
